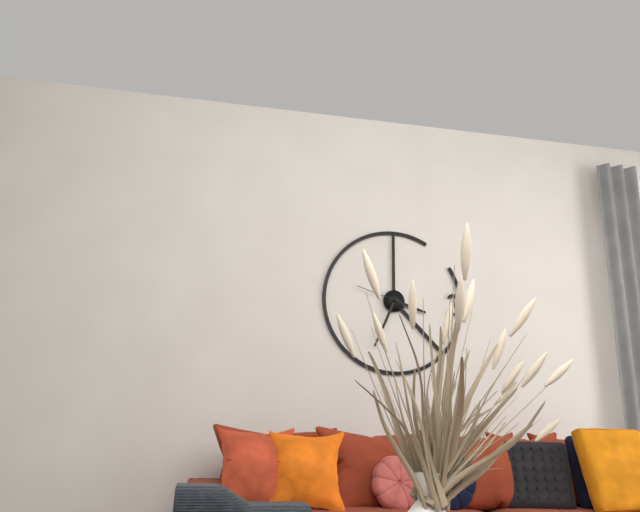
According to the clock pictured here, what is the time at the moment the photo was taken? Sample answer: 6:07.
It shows 3:34
